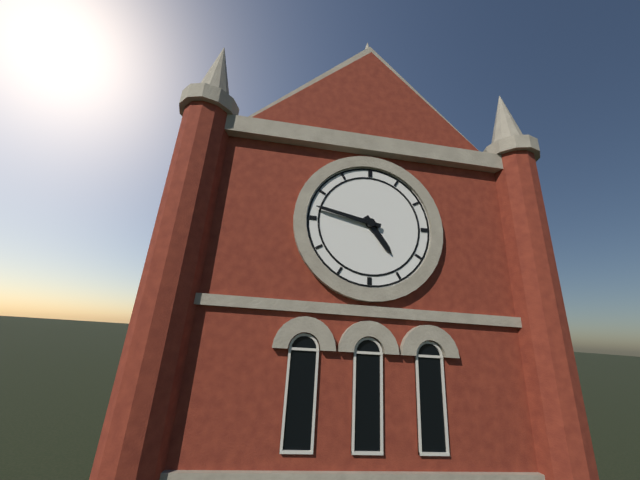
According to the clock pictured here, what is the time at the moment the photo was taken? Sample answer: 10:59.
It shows 4:47
